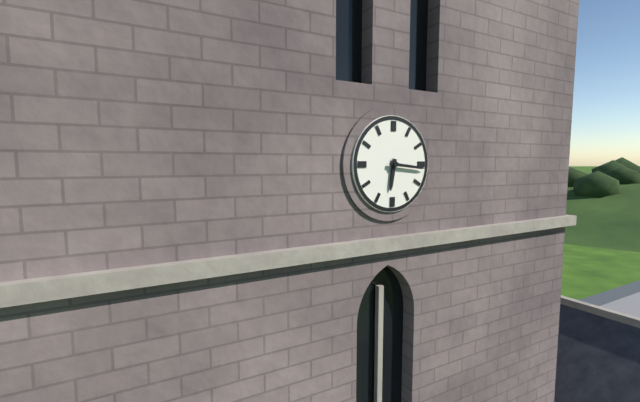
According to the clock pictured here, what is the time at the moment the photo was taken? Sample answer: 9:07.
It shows 6:16
